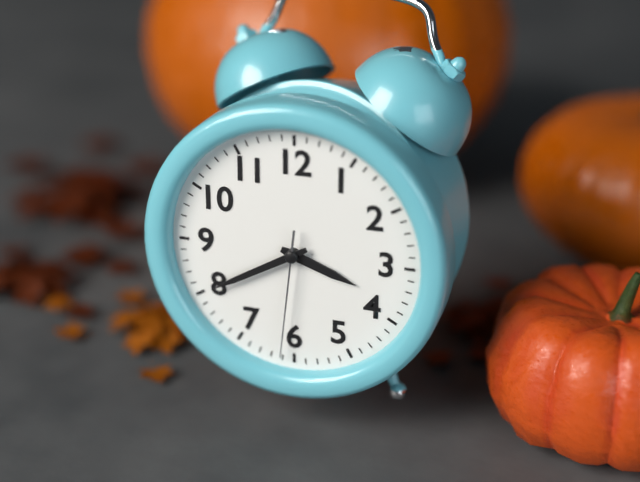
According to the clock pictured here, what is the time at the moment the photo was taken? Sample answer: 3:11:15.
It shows 3:40:31
